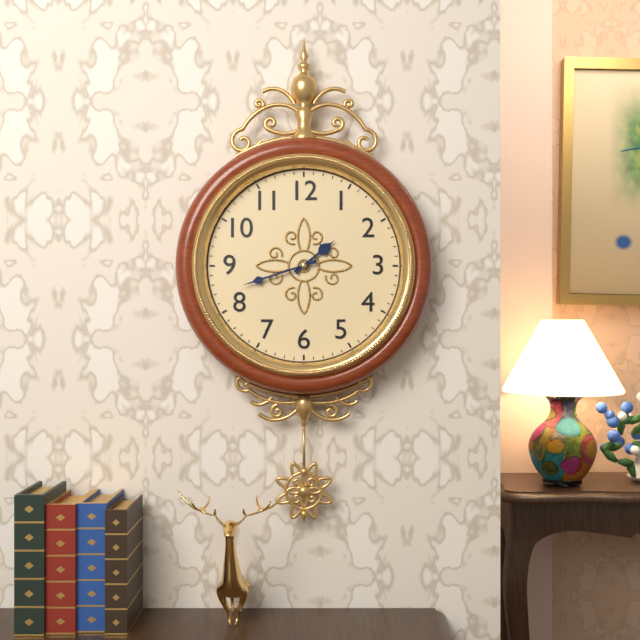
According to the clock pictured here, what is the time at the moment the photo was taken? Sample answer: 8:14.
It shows 1:42
